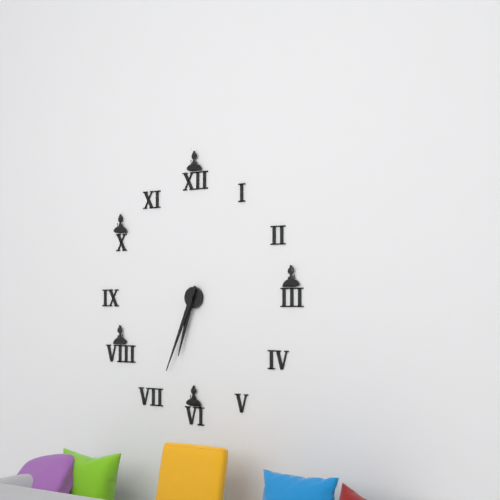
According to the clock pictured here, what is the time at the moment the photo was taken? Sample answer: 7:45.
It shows 6:34
